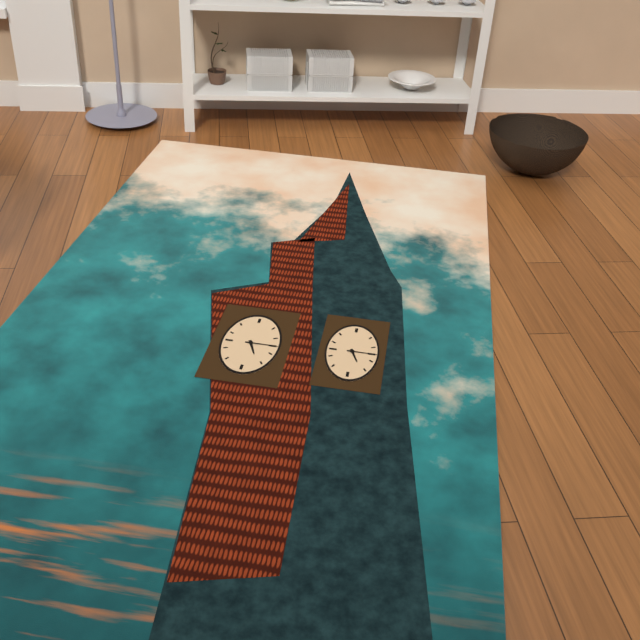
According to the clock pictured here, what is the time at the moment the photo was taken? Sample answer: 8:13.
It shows 5:15
